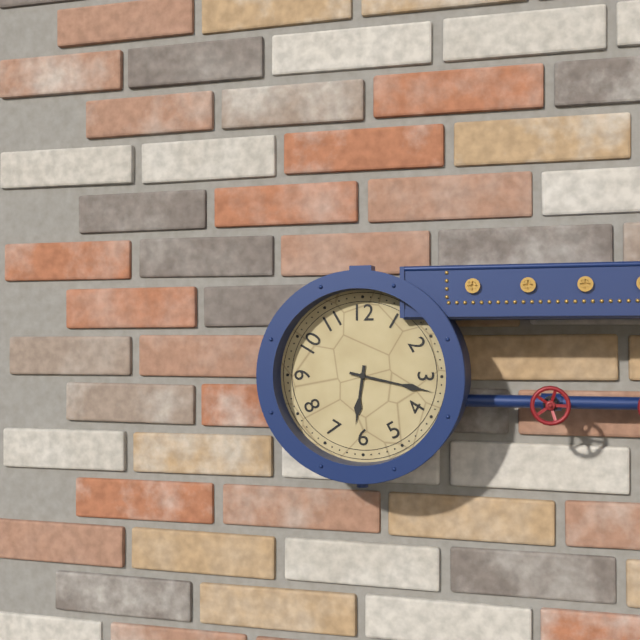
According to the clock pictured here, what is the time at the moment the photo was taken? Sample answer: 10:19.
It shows 6:17
